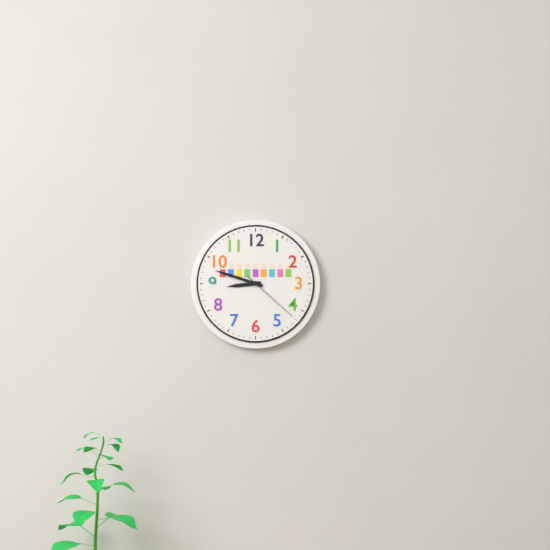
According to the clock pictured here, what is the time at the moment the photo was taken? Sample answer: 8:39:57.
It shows 8:48:22
